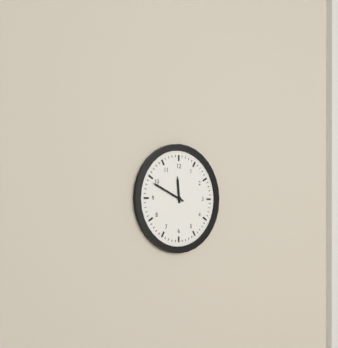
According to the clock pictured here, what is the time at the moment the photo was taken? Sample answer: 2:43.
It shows 11:49
